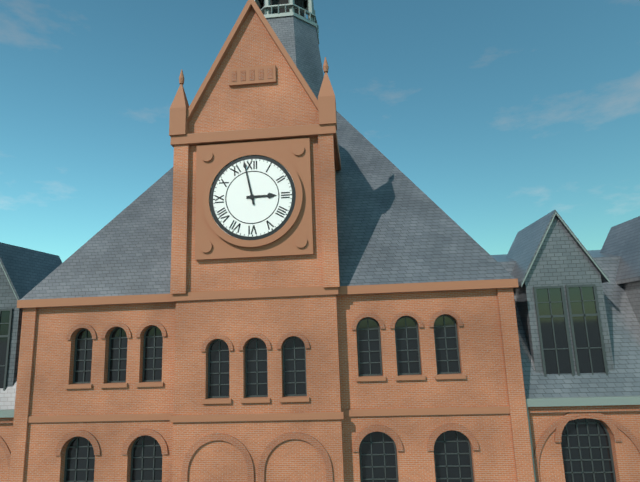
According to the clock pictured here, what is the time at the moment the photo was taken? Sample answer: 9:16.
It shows 2:58
